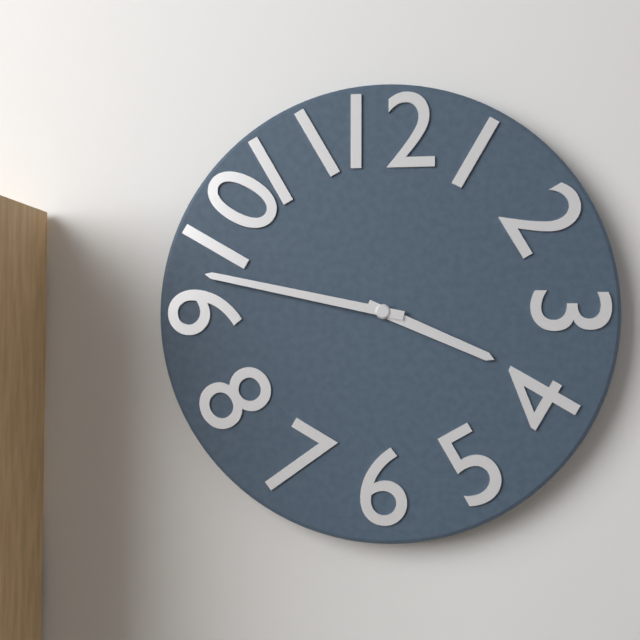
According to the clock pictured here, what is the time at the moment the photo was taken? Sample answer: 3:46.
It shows 3:47
